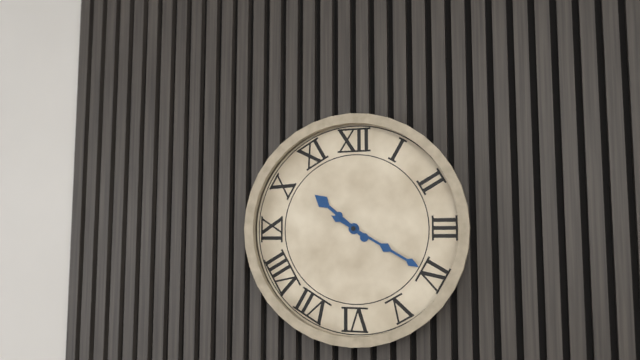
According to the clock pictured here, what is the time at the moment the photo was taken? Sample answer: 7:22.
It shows 10:20
